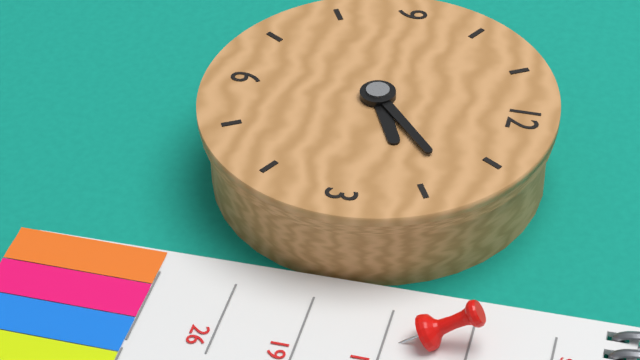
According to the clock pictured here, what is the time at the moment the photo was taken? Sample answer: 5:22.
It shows 2:08
